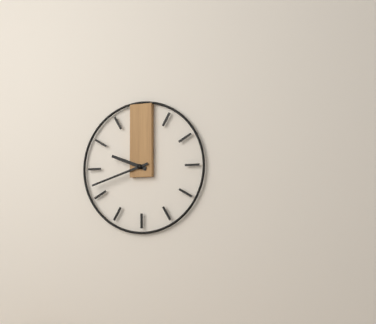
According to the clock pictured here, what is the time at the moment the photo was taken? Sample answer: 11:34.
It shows 9:42
